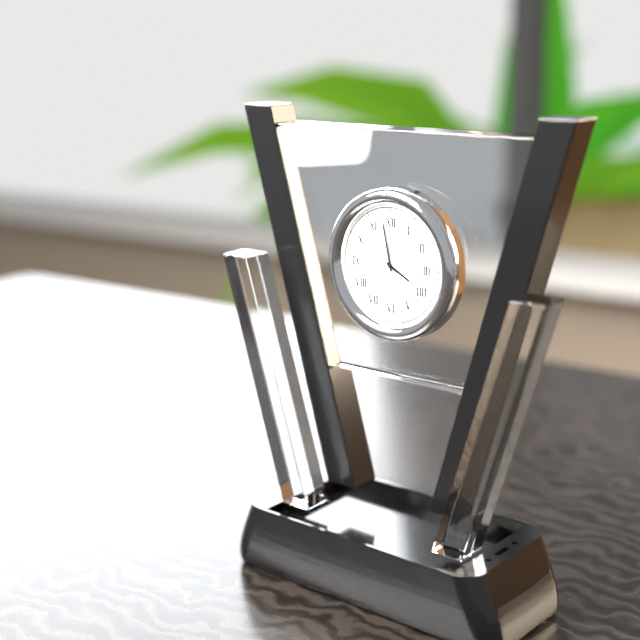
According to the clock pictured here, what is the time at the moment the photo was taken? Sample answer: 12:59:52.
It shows 3:58:21
